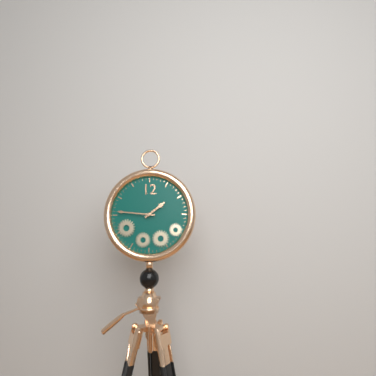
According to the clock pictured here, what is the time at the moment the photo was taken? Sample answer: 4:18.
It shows 1:46
